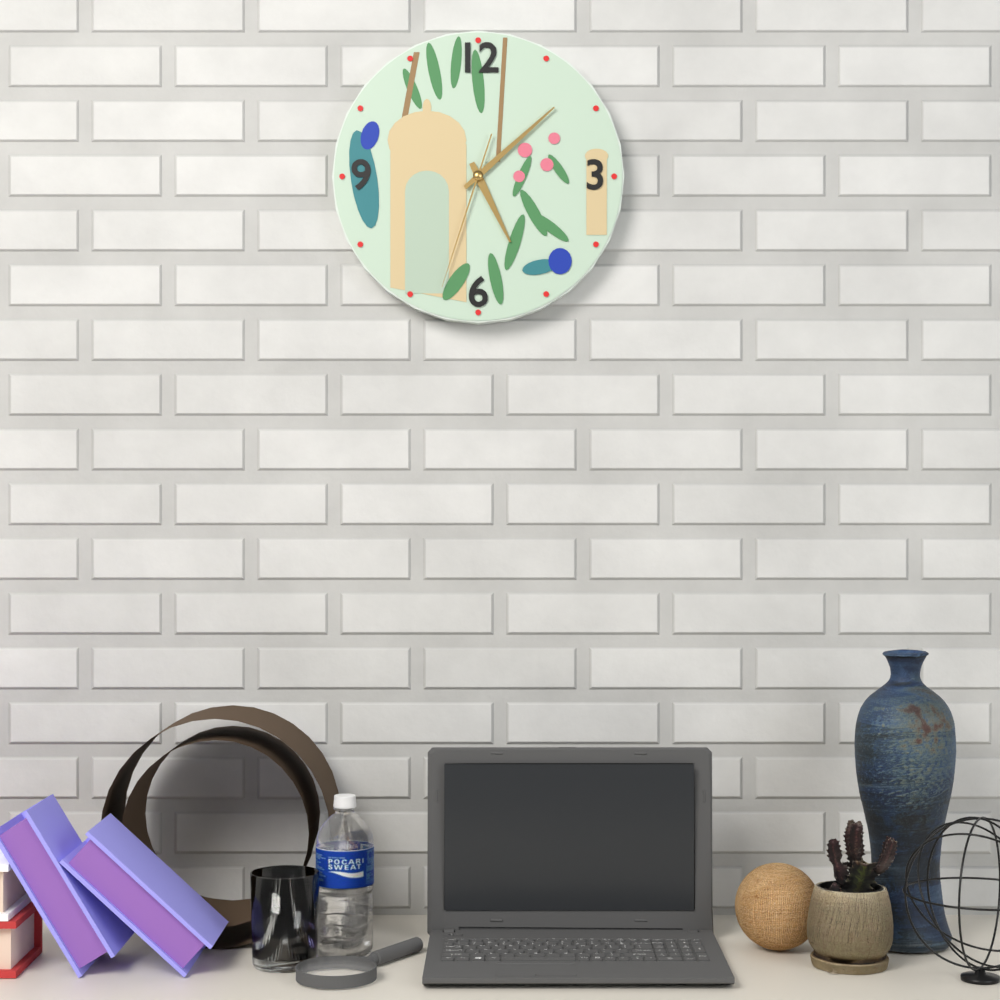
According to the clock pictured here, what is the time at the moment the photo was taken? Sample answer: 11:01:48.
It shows 5:08:33
